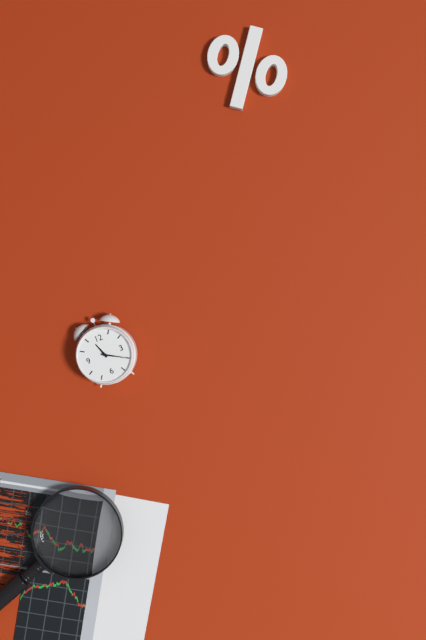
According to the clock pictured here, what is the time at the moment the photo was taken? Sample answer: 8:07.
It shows 11:20
